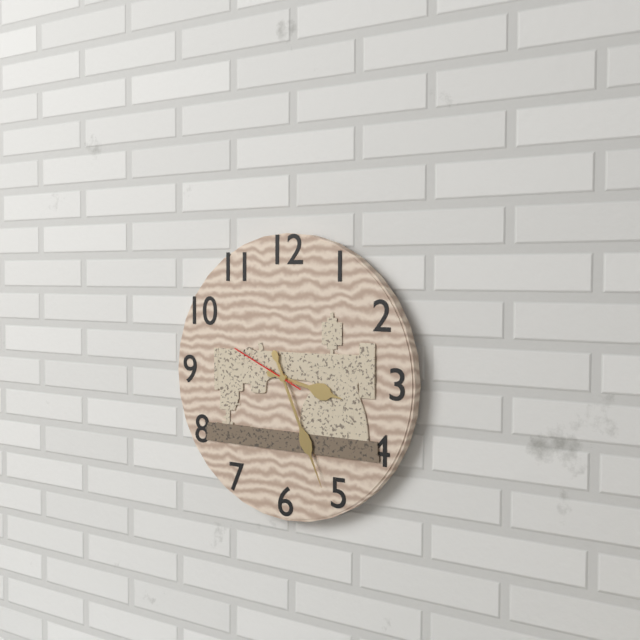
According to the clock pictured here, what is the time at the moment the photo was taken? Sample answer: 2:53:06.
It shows 3:26:49
